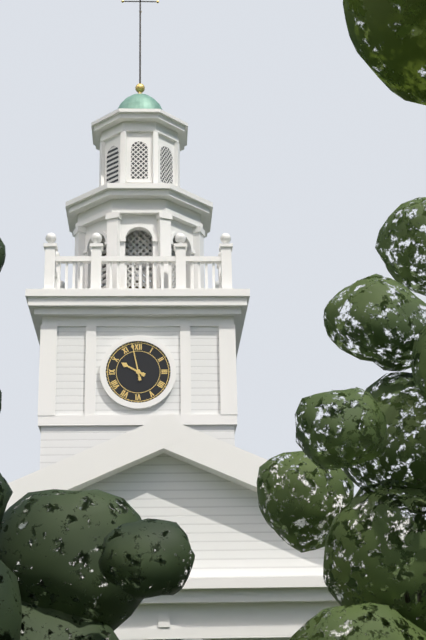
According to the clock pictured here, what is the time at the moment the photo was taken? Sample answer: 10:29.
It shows 9:58
